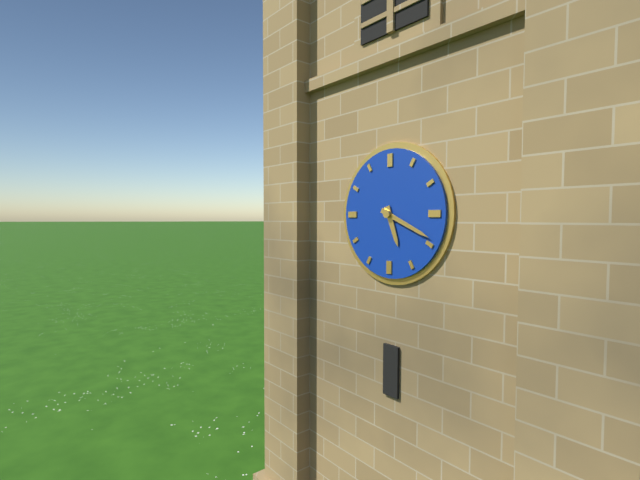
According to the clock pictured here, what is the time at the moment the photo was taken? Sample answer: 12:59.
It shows 5:19
